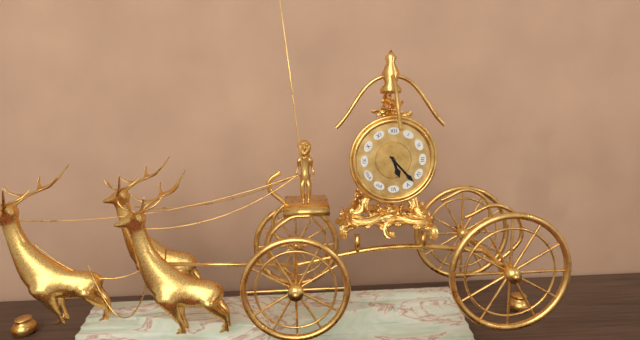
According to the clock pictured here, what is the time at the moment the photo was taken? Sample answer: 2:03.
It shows 5:23
